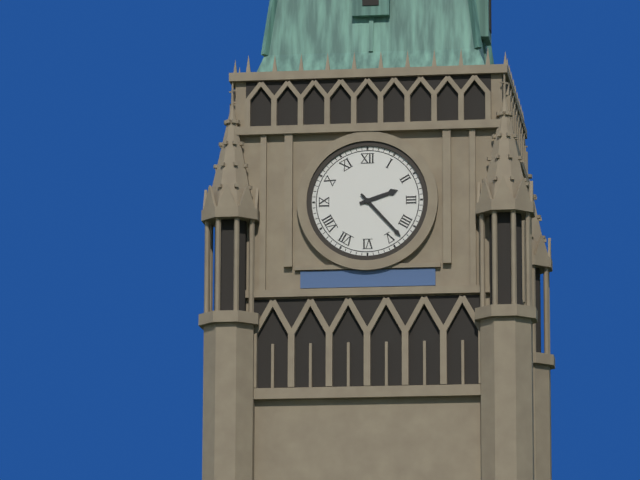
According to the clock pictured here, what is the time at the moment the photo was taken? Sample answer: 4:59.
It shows 2:23
